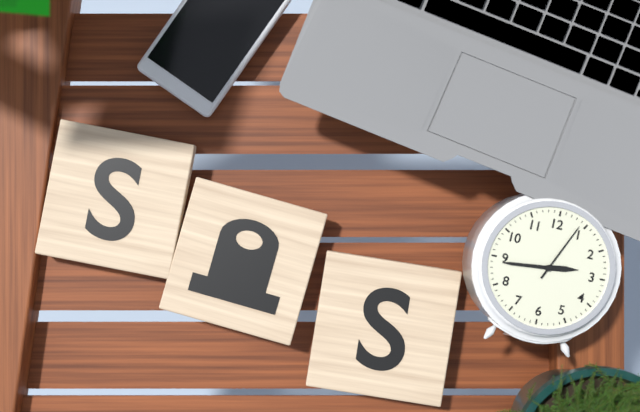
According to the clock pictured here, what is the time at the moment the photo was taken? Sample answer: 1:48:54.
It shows 2:44:04
